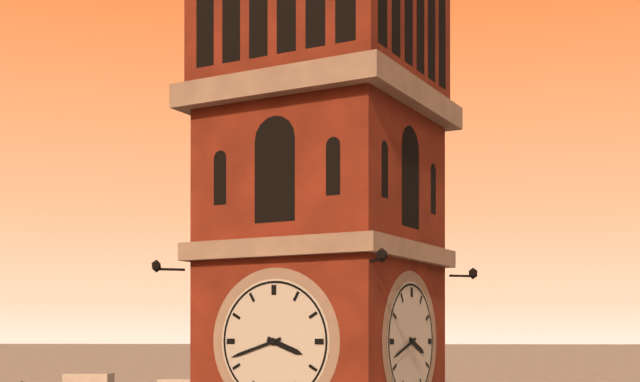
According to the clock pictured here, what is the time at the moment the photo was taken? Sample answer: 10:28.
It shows 3:42
